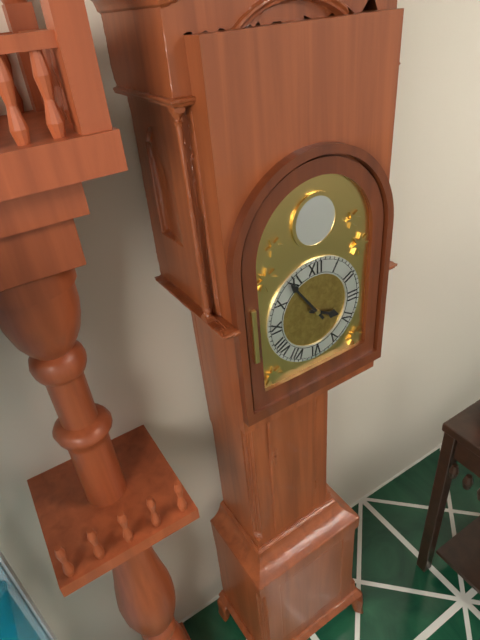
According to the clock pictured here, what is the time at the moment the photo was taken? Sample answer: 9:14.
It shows 3:54
